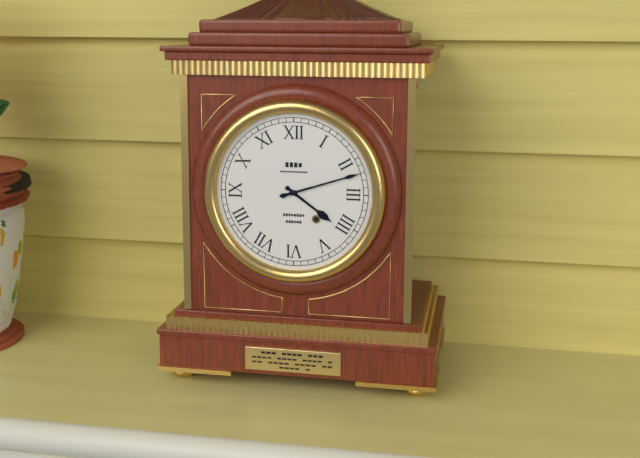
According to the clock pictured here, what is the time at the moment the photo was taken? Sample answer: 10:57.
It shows 4:12
